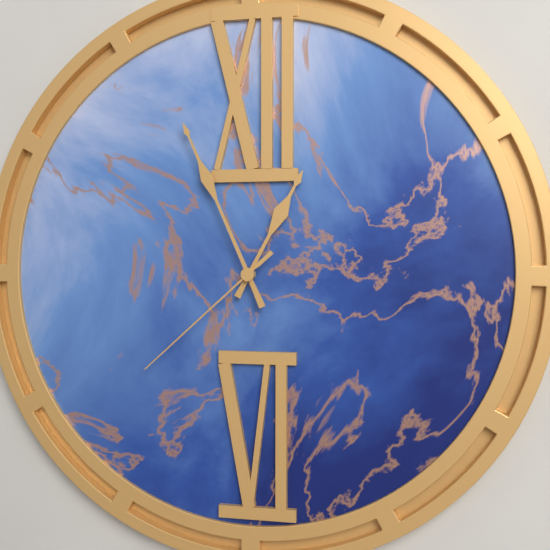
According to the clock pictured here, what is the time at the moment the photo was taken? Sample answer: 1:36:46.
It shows 12:56:38
